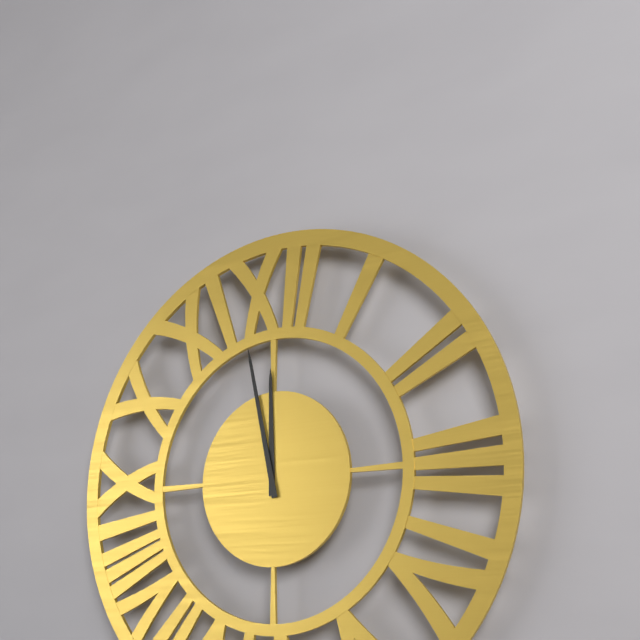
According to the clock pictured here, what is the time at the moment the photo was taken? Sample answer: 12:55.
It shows 11:58
